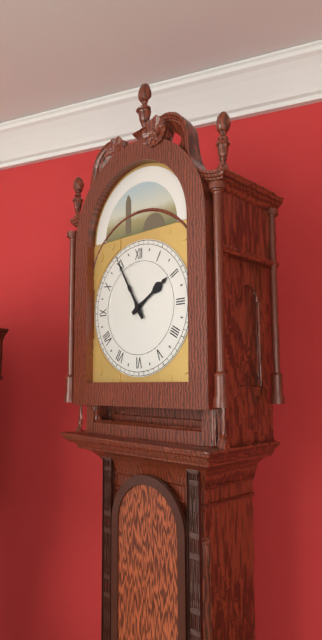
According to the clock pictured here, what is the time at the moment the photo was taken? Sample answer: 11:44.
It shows 1:55
